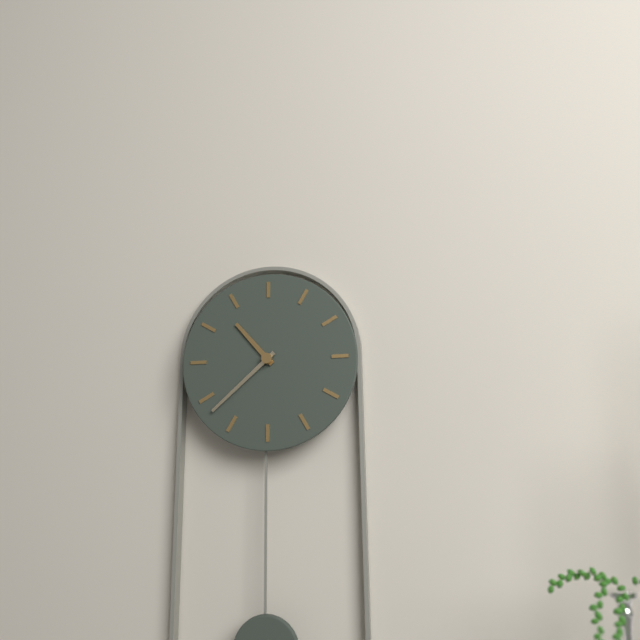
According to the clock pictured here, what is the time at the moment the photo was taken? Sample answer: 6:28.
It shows 10:38
